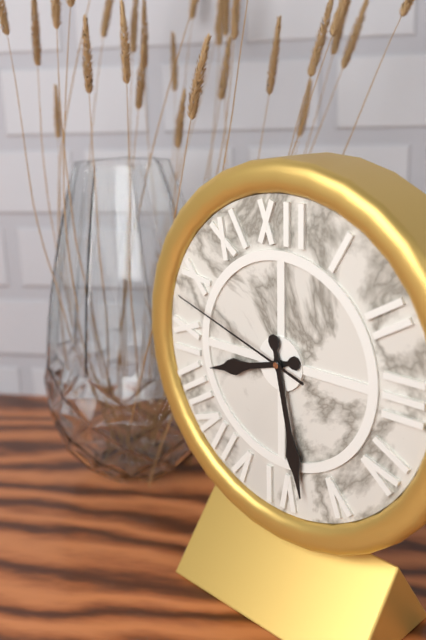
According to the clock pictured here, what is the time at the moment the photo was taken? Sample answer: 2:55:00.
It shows 8:28:48
